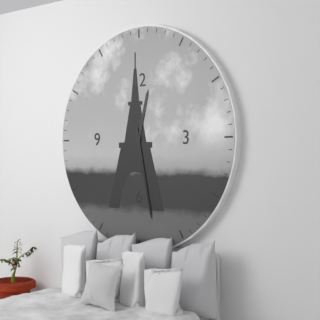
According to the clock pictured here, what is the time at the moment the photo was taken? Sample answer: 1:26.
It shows 12:28
